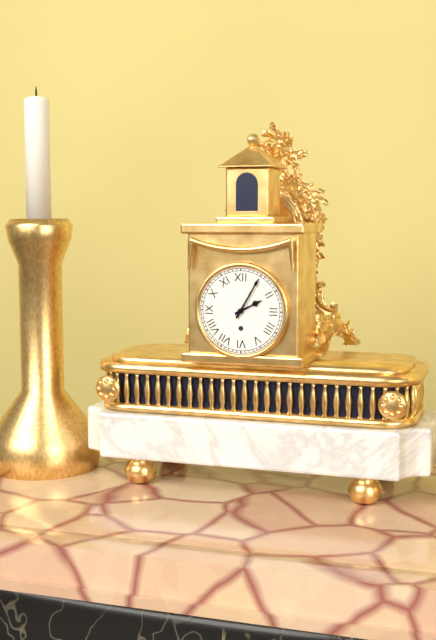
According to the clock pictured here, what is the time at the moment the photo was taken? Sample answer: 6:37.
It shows 2:05
